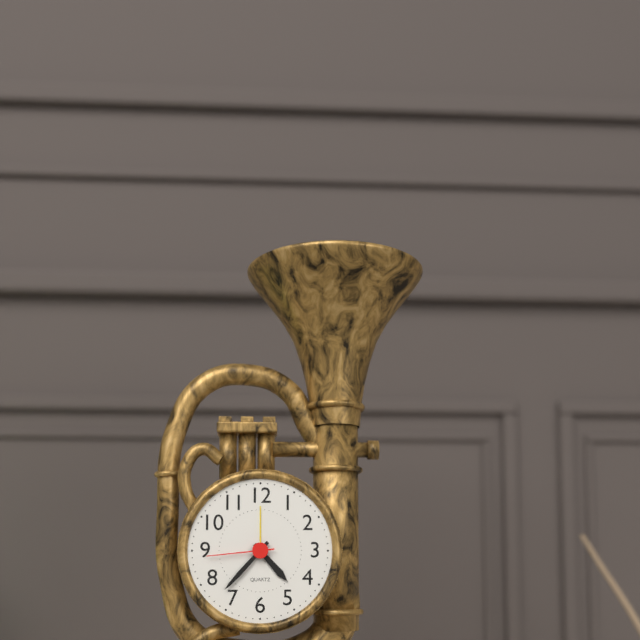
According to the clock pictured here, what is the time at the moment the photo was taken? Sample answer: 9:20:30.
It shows 4:37:44
